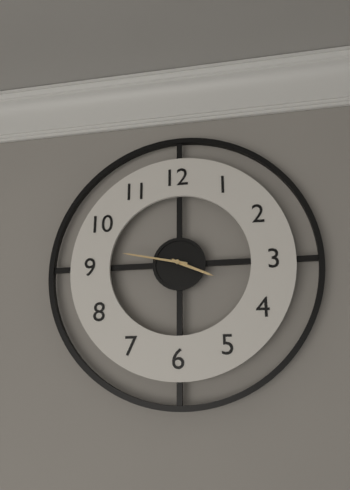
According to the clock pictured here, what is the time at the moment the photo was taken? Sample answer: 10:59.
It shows 3:47
